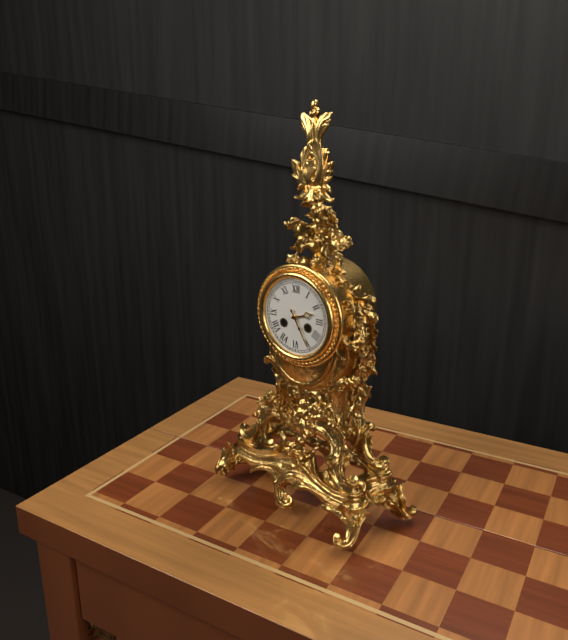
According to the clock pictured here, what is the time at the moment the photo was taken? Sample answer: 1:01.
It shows 2:25
